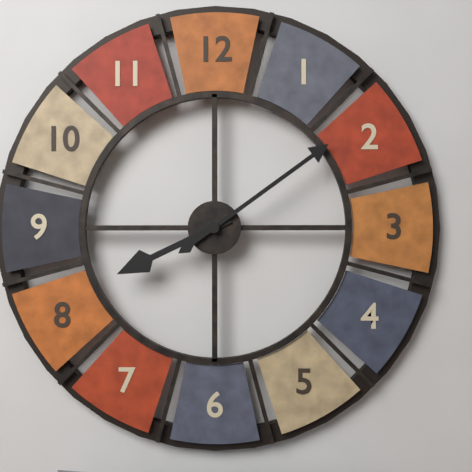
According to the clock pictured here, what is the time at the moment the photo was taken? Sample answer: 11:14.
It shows 8:09
